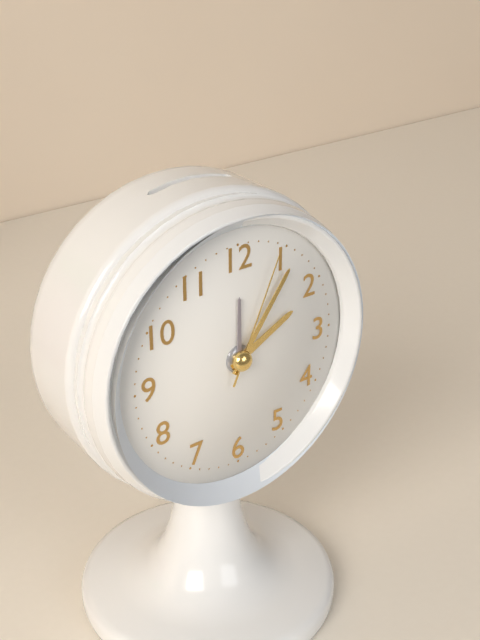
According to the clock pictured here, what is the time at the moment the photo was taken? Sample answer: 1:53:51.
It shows 2:06:04
